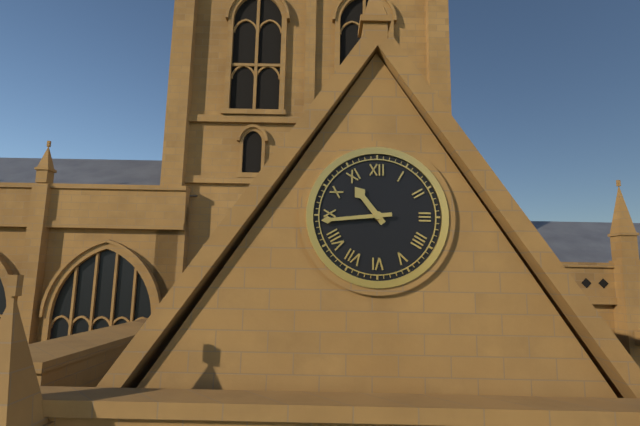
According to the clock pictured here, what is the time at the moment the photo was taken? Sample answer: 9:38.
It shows 10:44
